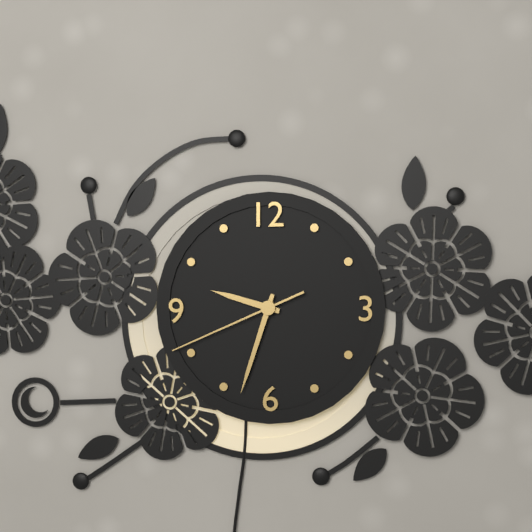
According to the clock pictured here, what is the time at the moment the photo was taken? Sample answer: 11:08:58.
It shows 9:33:41
